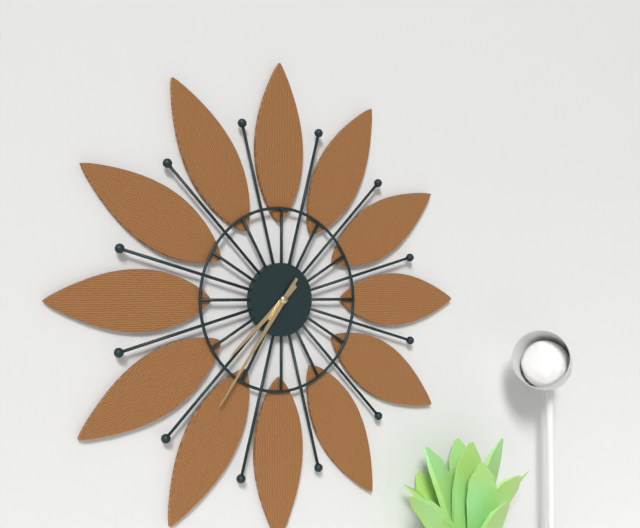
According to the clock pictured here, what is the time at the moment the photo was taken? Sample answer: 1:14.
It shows 7:36
